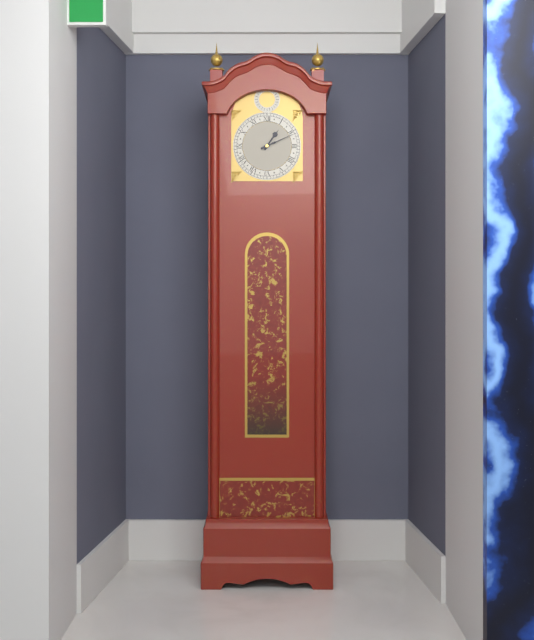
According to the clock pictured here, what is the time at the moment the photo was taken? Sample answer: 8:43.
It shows 1:11
